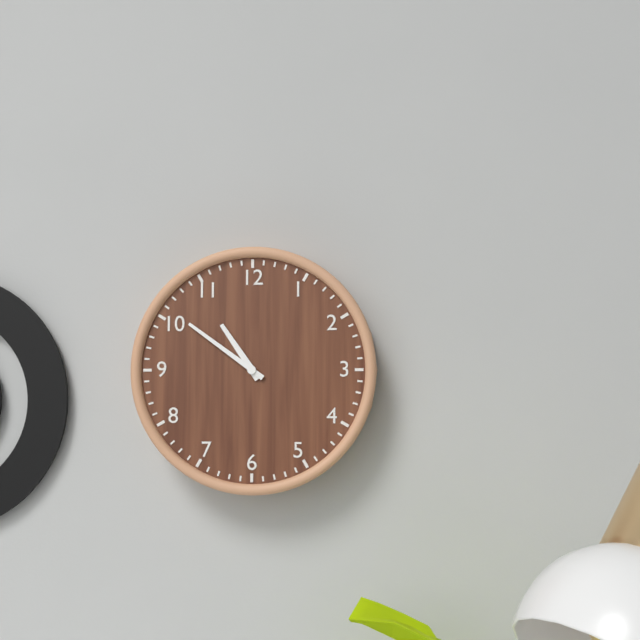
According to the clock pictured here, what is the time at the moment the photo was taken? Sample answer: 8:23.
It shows 10:51
